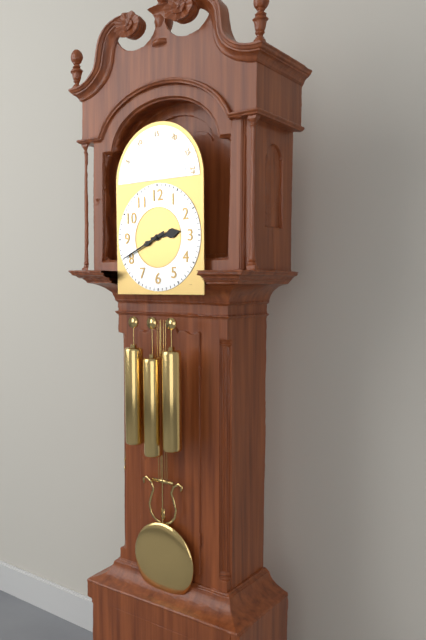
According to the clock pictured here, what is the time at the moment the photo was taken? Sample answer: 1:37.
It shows 2:41
